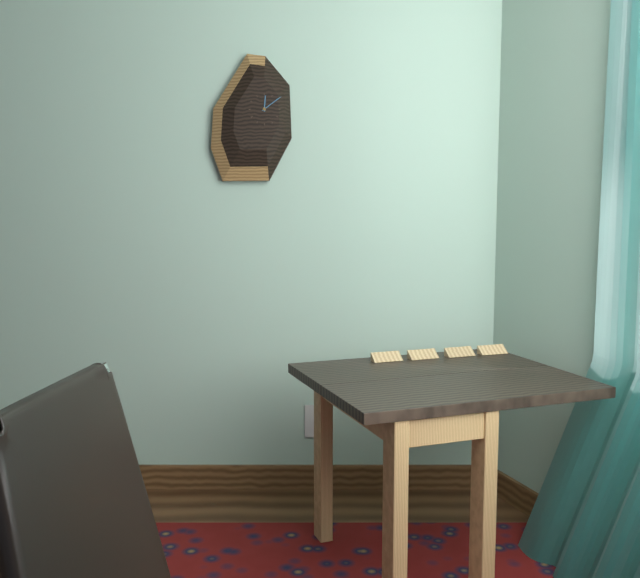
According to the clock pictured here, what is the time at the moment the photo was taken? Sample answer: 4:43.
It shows 12:09
